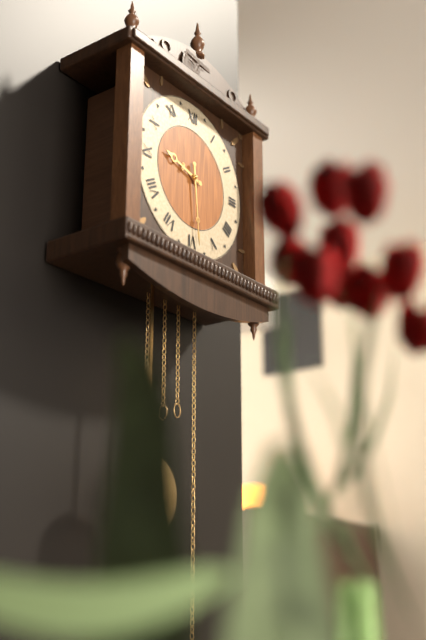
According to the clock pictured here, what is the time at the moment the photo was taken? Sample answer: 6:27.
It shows 9:29
